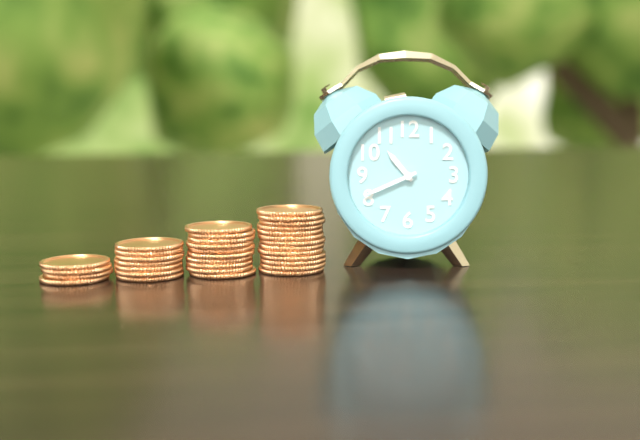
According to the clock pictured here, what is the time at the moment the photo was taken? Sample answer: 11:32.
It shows 10:41
